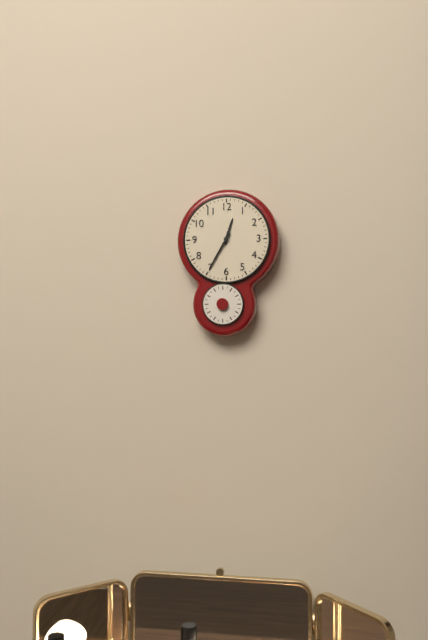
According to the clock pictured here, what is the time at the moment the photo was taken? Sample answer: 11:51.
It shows 12:35
